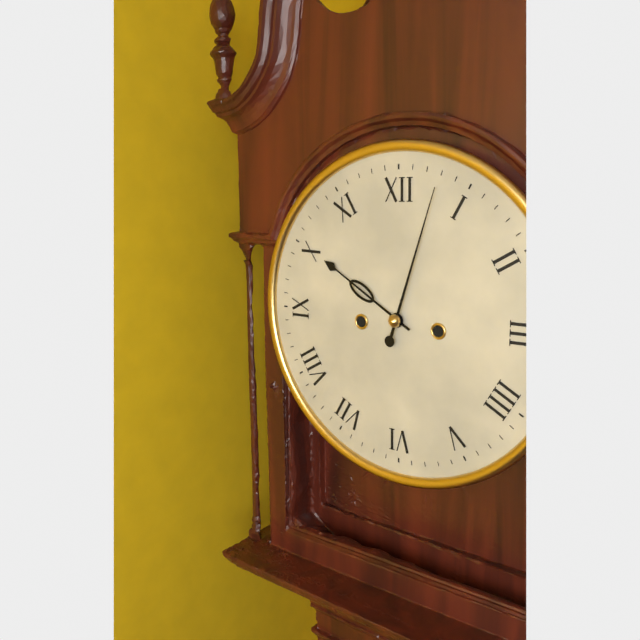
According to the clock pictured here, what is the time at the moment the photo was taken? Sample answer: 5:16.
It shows 10:03
